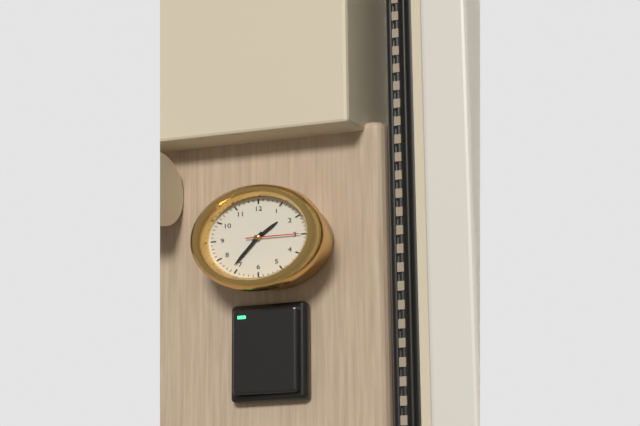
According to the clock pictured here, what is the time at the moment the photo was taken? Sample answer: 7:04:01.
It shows 1:36:15
